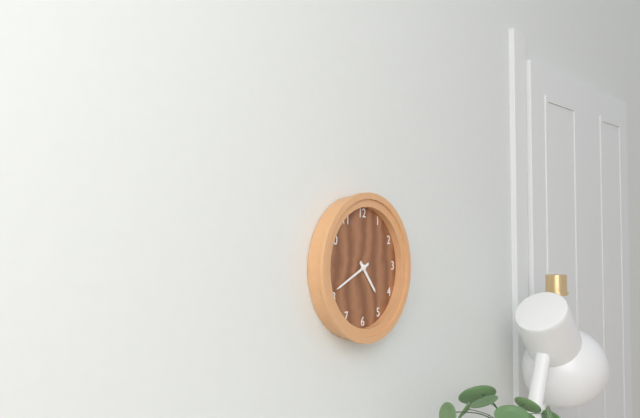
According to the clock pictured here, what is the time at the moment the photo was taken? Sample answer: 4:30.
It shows 4:41
